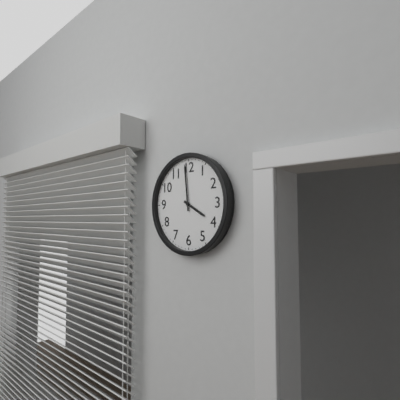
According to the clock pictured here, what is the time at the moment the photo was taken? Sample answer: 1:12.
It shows 3:59
